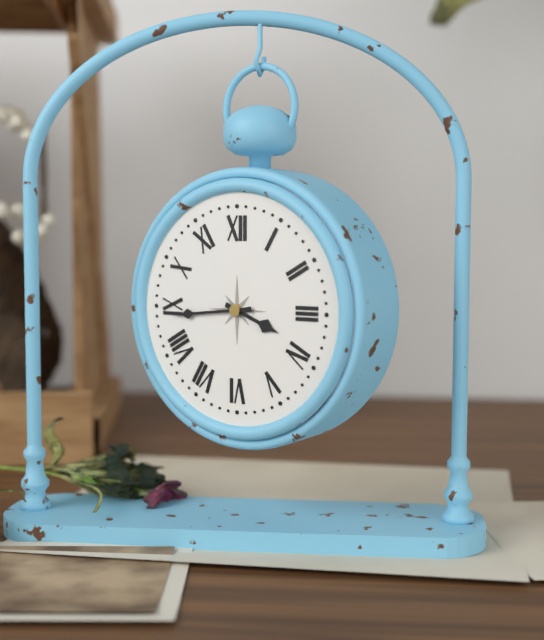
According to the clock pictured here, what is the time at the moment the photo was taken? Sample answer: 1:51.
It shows 3:44
